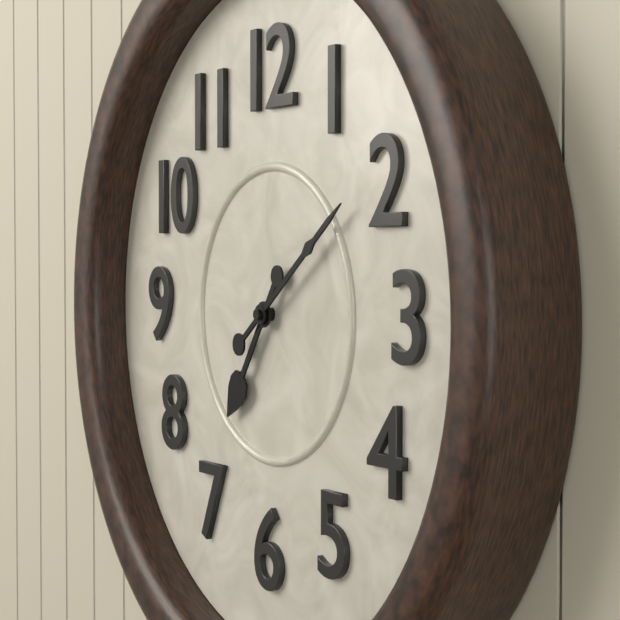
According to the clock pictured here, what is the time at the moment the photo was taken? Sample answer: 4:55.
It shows 7:09
